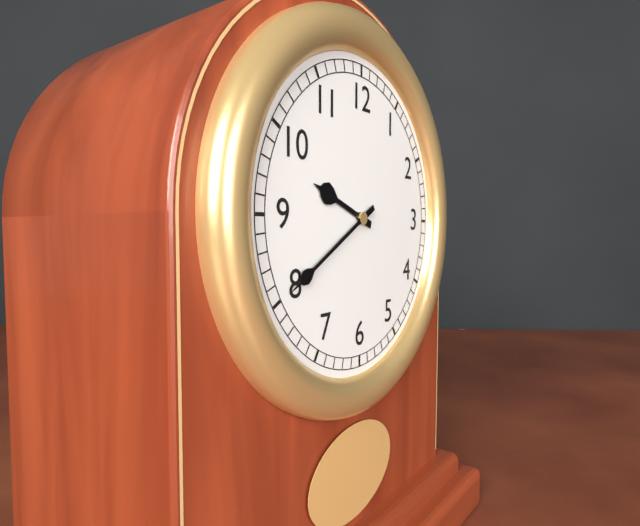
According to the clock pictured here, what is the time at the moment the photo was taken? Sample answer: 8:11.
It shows 9:40
